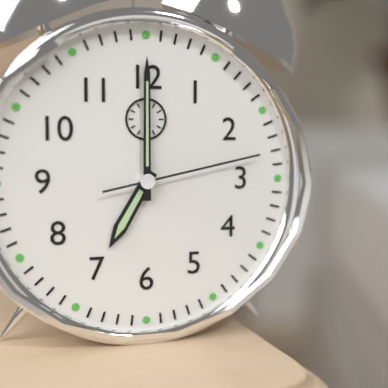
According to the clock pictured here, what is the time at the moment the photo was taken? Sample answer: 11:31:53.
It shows 7:00:13
